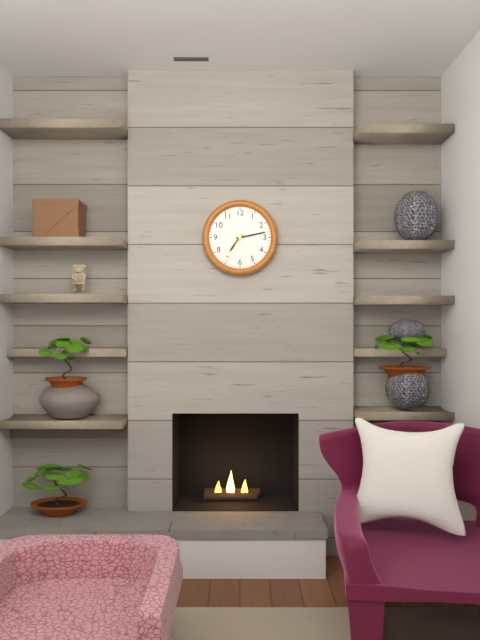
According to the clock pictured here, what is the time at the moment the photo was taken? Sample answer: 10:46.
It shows 7:13
